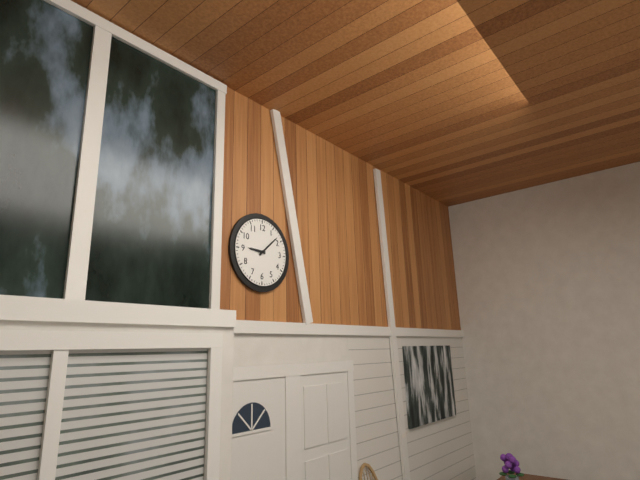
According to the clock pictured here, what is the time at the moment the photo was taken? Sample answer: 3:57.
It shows 9:08
